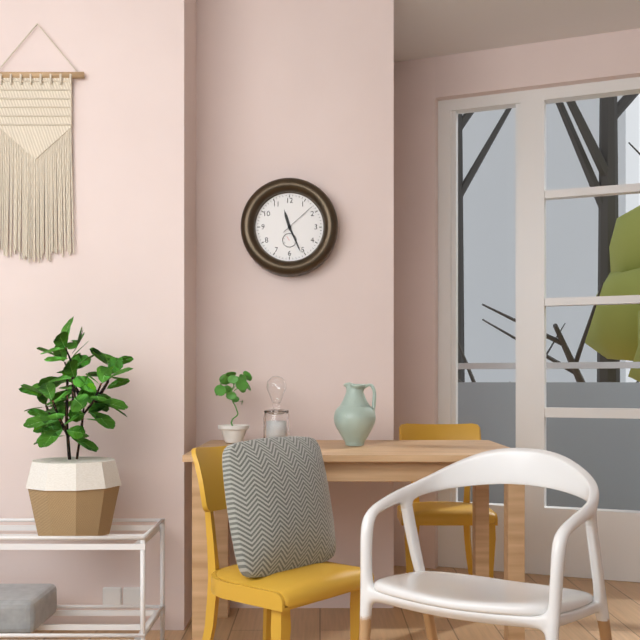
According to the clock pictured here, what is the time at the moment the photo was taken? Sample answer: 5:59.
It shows 11:26
